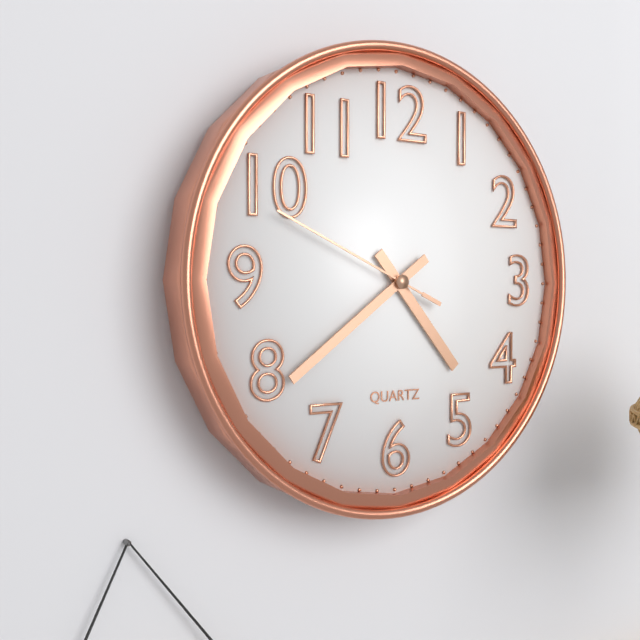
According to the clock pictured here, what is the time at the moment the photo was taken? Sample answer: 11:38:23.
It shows 4:39:49
